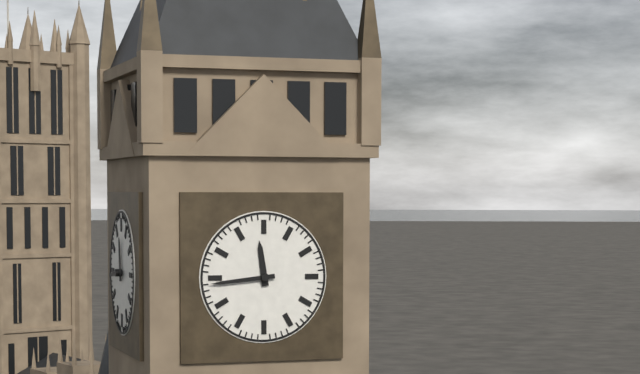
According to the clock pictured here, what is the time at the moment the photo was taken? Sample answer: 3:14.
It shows 11:44
